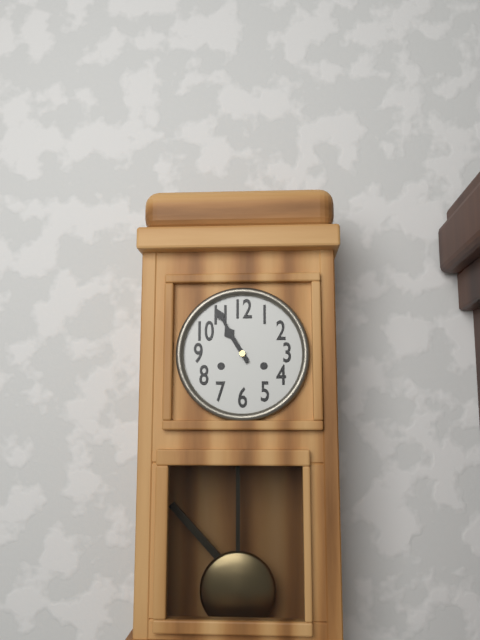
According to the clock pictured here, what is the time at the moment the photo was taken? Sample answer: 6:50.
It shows 10:55
